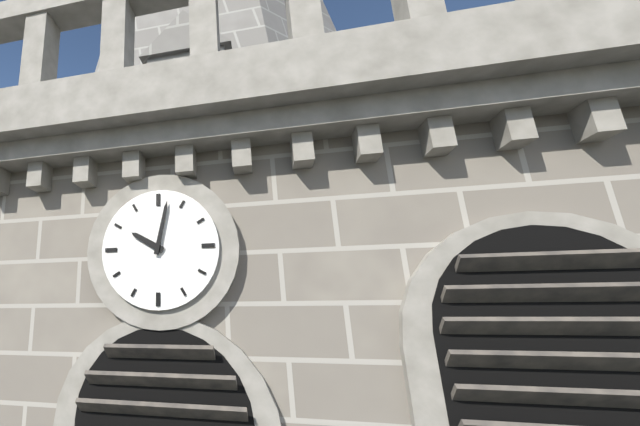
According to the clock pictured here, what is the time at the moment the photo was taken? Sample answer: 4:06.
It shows 10:02
